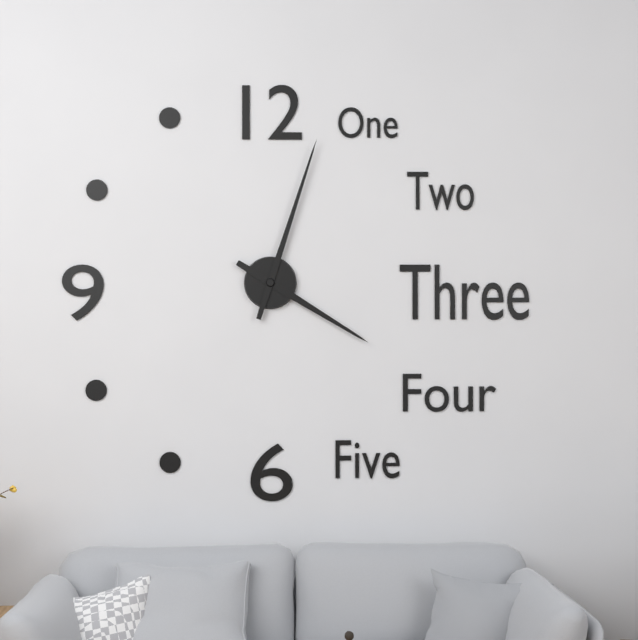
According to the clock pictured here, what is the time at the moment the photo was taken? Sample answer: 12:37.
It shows 4:03
